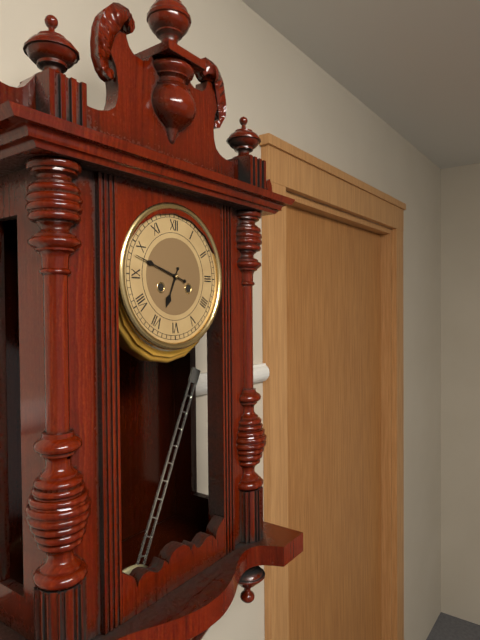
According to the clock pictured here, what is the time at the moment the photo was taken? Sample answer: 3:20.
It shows 6:48
